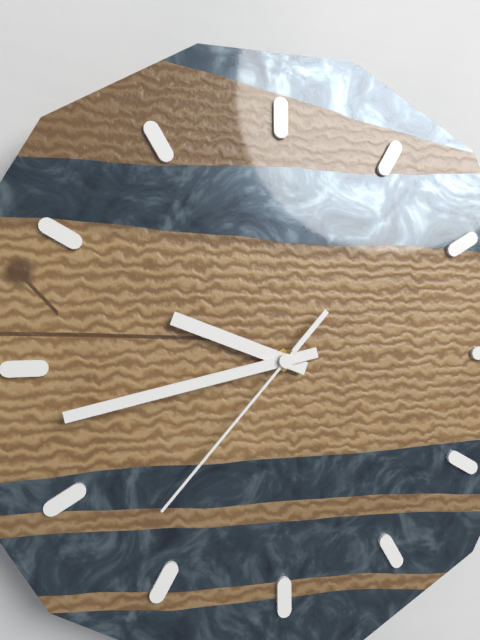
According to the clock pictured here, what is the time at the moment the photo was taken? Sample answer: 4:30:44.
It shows 9:43:37
